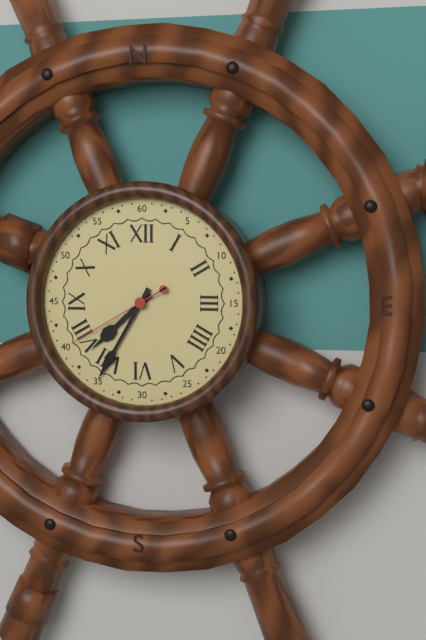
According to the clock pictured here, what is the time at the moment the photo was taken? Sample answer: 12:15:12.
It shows 7:35:40
